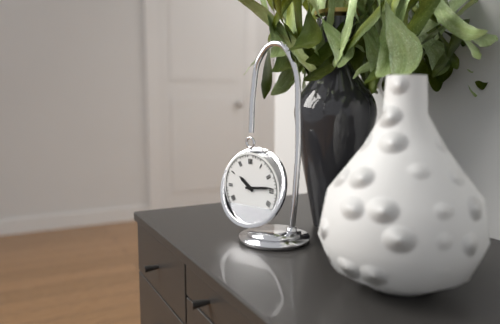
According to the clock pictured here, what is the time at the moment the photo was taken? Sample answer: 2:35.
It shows 10:14
